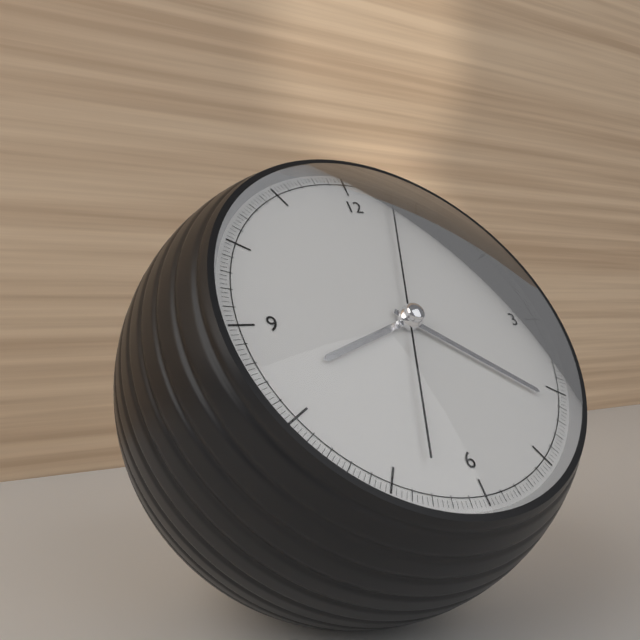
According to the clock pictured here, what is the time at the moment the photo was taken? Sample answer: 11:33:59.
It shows 8:21:03
